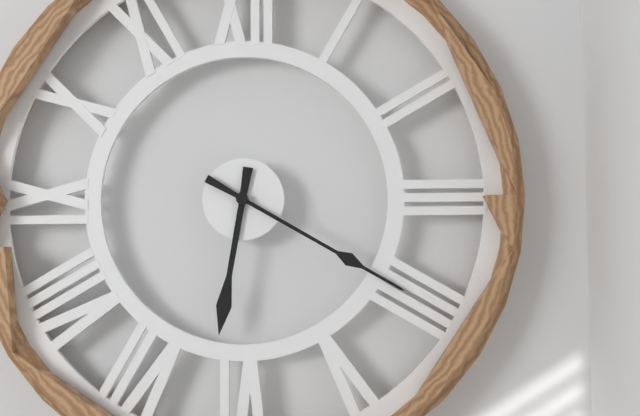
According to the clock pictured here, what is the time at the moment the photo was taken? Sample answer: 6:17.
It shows 6:20
